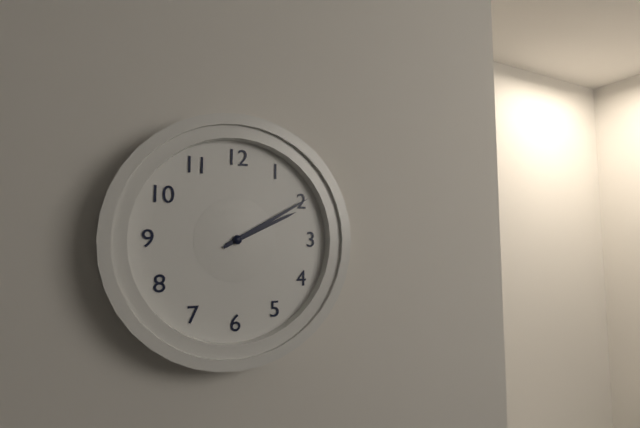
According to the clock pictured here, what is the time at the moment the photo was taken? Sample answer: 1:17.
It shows 2:10
